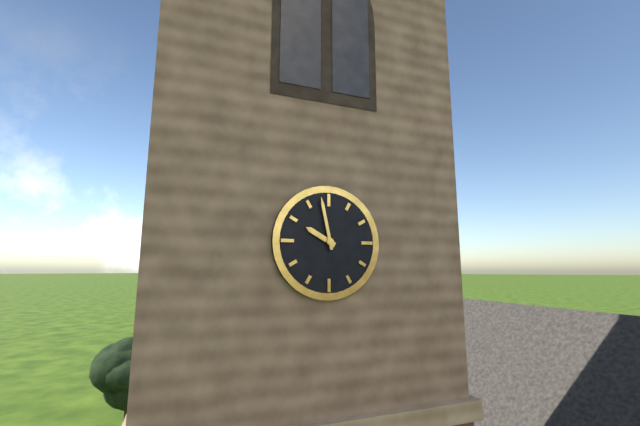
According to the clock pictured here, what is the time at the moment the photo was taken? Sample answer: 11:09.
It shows 9:58
